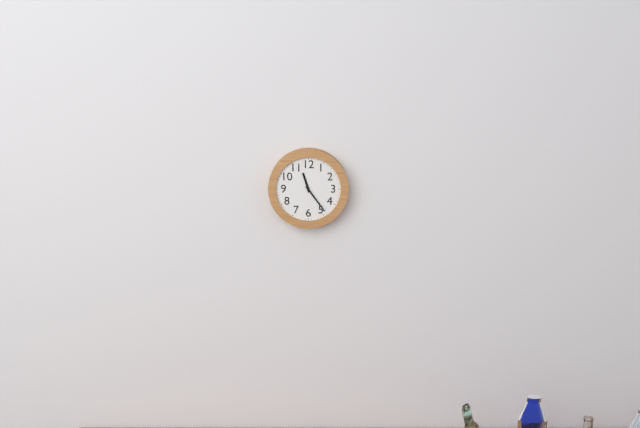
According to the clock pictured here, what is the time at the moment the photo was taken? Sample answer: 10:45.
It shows 11:24
